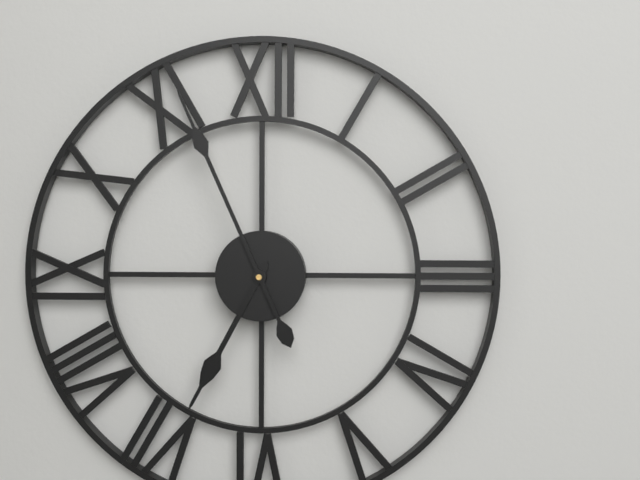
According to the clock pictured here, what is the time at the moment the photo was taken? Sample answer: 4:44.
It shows 6:56
